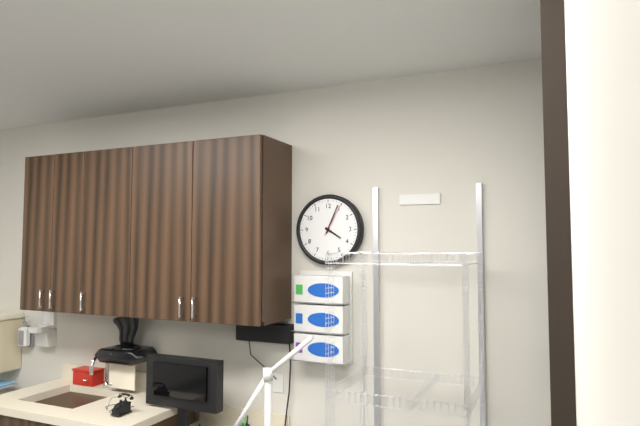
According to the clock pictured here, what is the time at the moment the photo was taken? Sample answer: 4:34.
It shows 4:04
